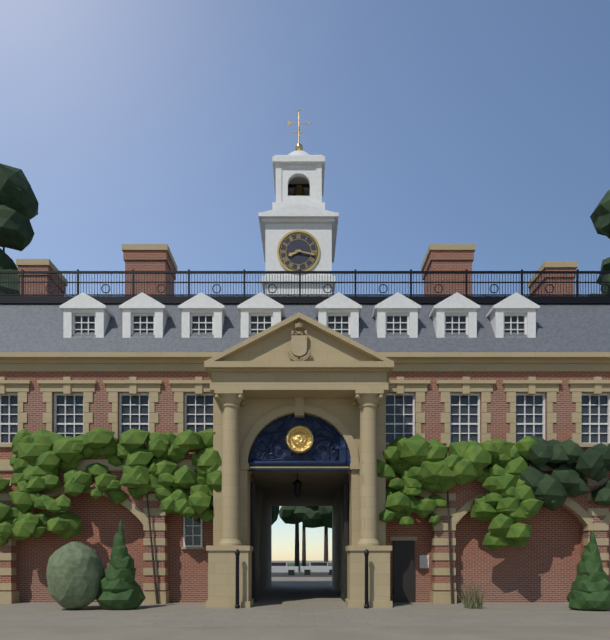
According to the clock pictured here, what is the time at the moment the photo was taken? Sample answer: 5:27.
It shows 8:17
